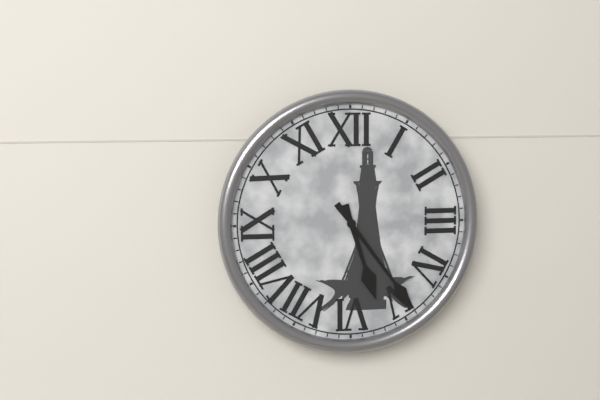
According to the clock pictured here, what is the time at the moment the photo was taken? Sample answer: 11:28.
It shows 5:24
